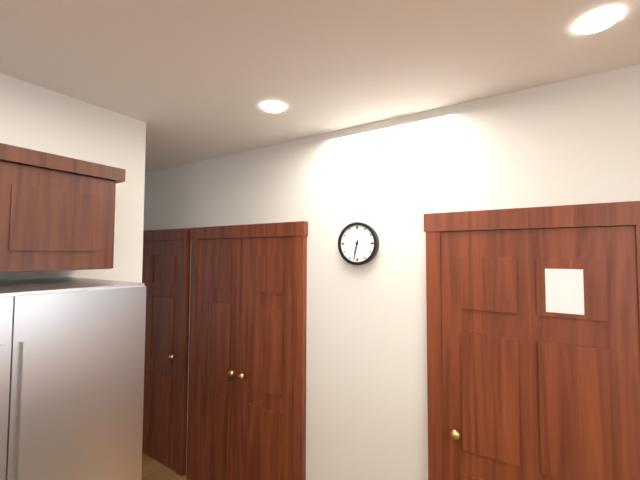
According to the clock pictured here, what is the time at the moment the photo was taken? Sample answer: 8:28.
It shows 6:32
